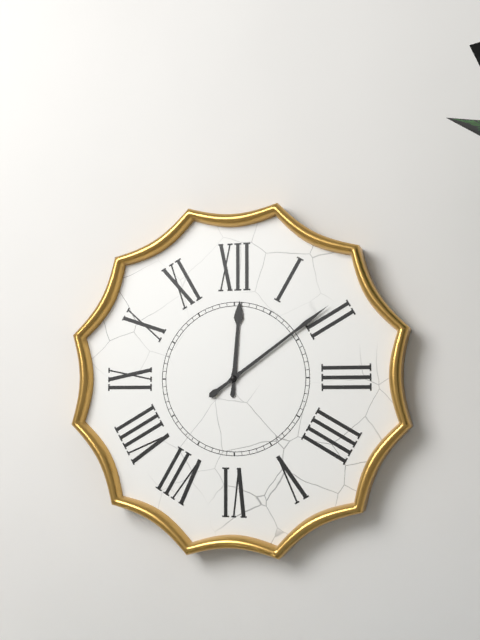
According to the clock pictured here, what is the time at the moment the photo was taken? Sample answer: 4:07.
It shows 12:09
